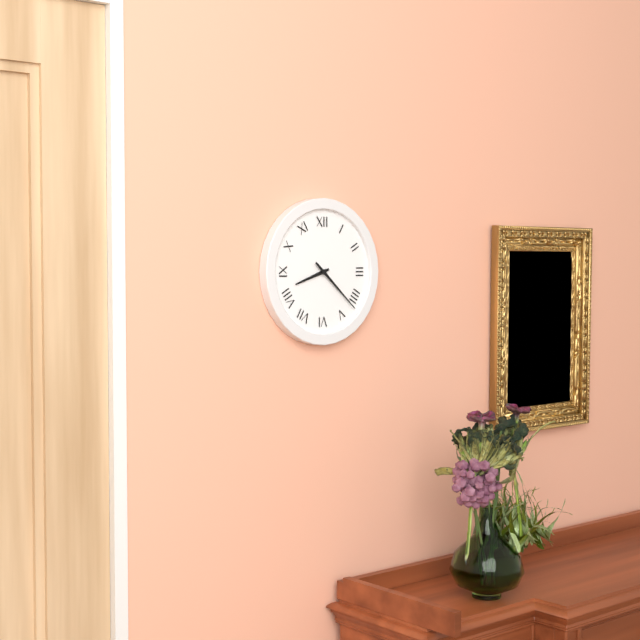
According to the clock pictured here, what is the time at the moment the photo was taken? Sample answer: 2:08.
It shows 8:22
